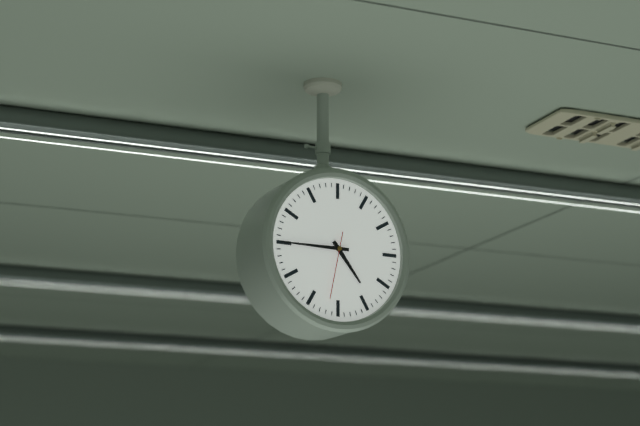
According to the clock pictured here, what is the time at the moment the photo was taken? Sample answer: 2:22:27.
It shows 4:45:32
